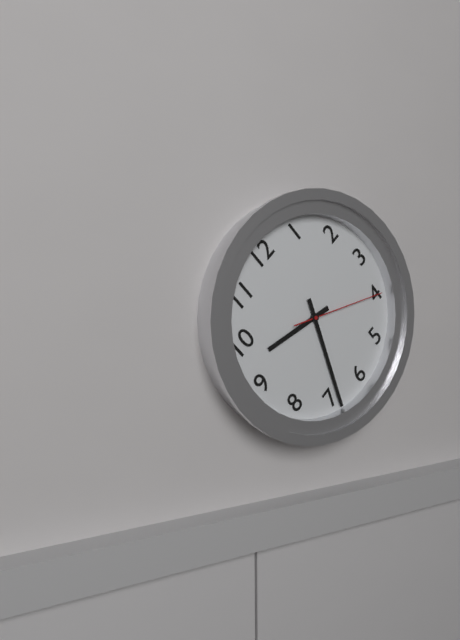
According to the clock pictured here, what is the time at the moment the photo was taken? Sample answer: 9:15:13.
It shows 9:34:20
